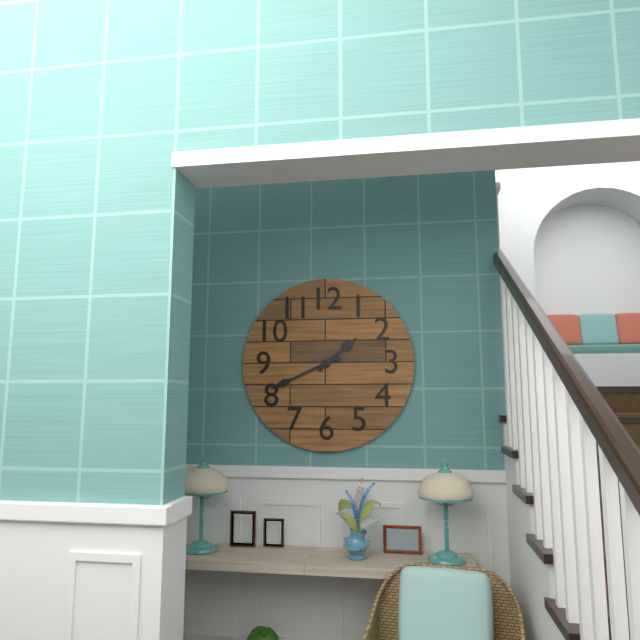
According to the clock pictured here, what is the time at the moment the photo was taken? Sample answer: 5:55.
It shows 1:41
